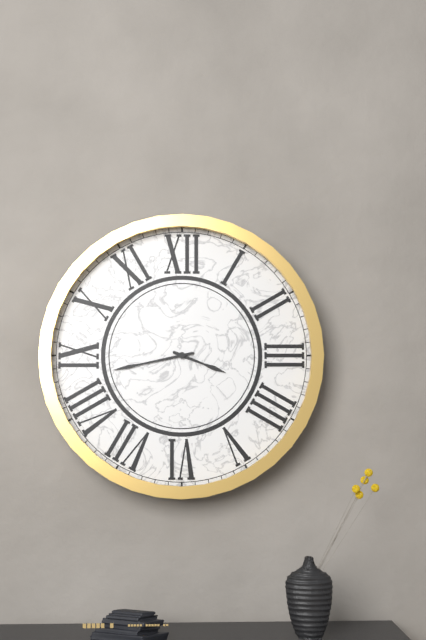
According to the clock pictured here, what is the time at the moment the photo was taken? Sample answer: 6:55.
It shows 3:43
